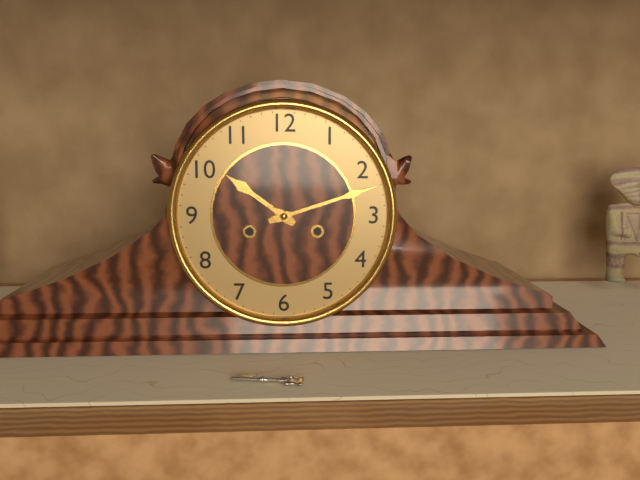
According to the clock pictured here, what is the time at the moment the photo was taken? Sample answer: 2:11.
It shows 10:12
